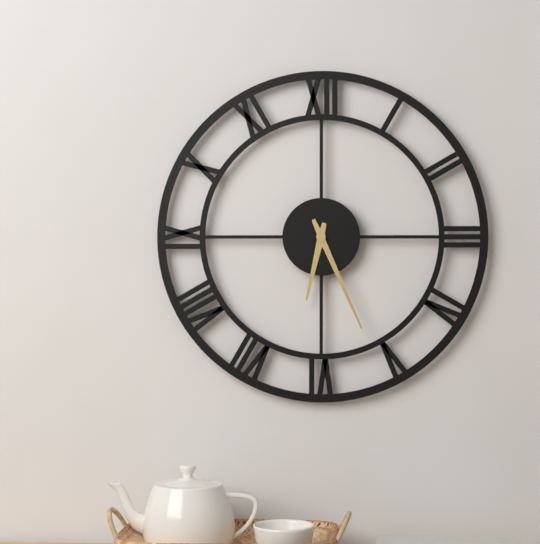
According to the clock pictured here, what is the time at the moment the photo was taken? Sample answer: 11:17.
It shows 6:26
